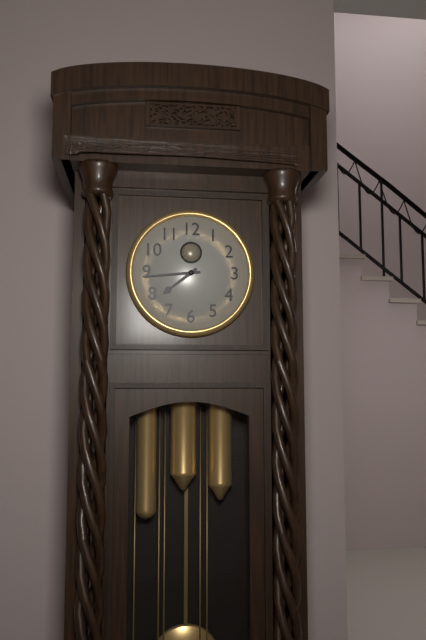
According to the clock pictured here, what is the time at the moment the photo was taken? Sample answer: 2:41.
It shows 7:44
